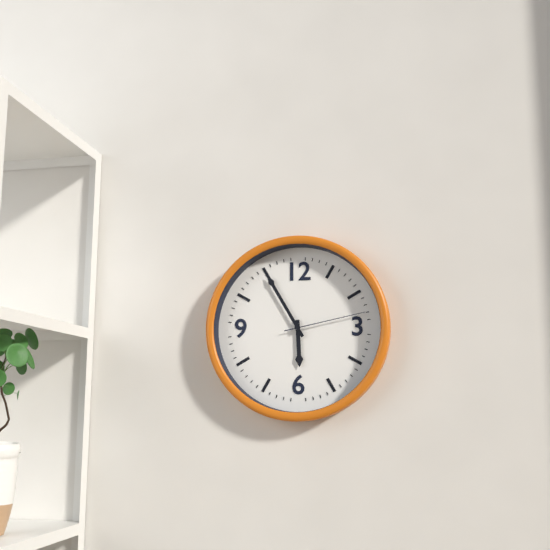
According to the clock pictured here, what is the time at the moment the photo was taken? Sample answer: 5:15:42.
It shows 5:55:13
